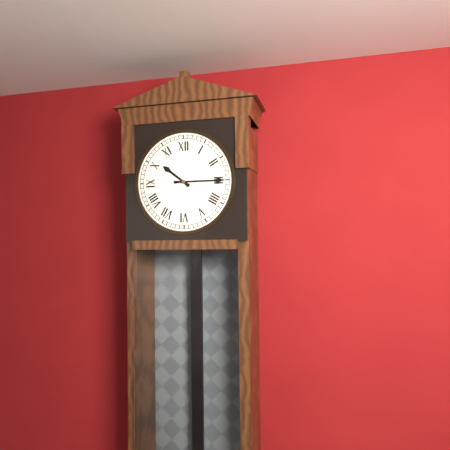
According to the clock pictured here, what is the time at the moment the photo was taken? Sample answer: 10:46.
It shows 10:15
